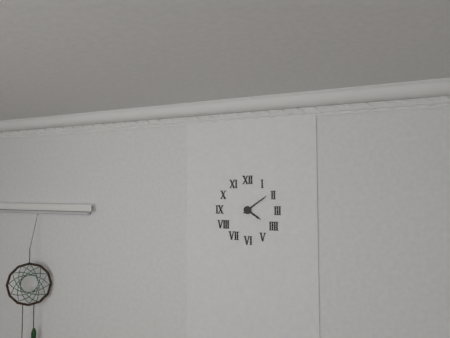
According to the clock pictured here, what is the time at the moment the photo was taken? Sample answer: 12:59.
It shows 4:09
